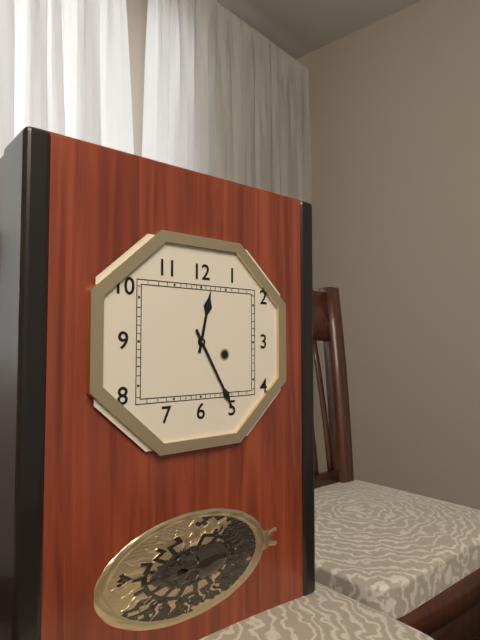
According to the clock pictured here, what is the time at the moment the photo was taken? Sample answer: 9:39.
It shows 12:25
